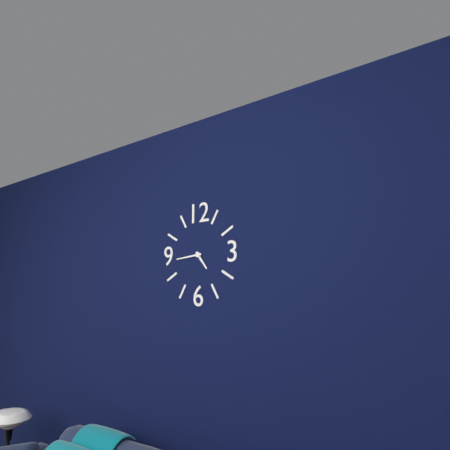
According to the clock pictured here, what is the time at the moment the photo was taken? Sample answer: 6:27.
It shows 4:44
